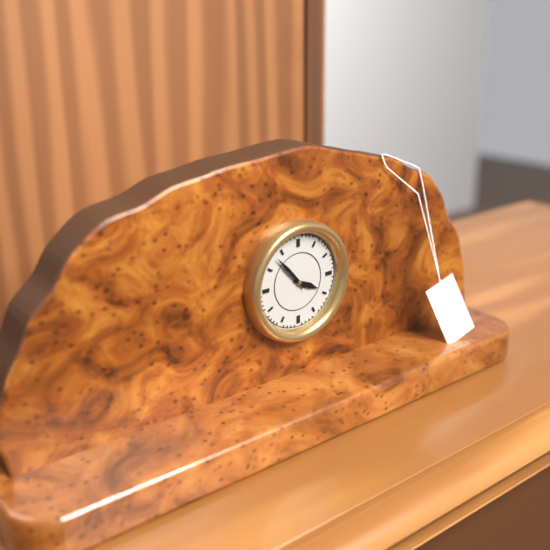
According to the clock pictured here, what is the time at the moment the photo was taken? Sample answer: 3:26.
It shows 3:53
